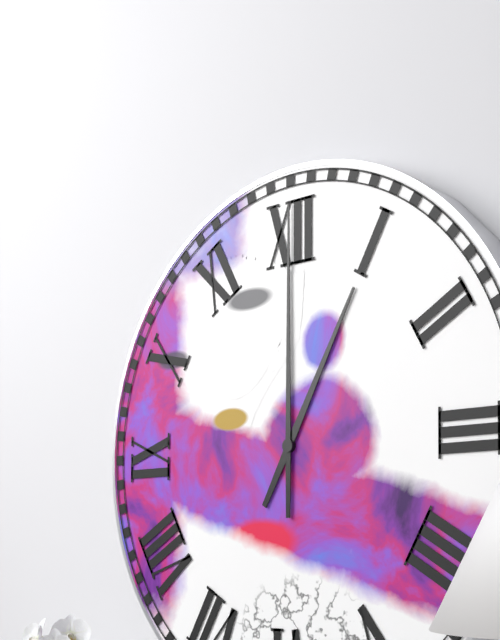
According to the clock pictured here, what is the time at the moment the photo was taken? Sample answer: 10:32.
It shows 1:00
